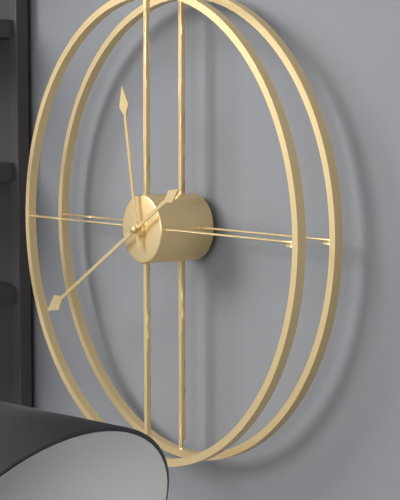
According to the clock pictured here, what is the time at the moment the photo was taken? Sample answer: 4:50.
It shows 11:40
